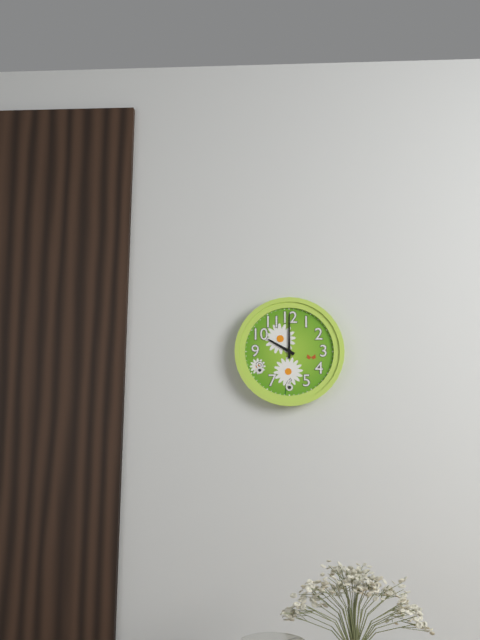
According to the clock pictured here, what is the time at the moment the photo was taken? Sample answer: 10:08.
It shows 10:00
